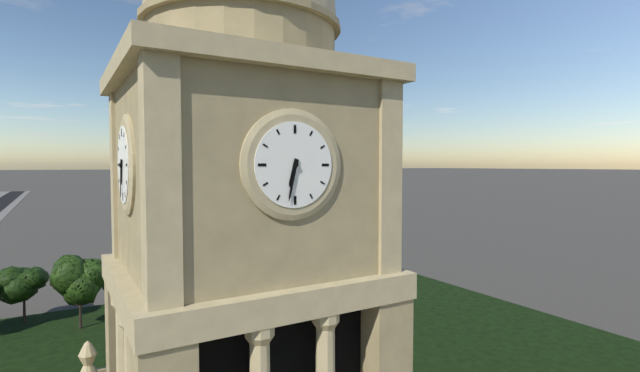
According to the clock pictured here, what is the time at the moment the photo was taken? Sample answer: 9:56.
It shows 6:32
